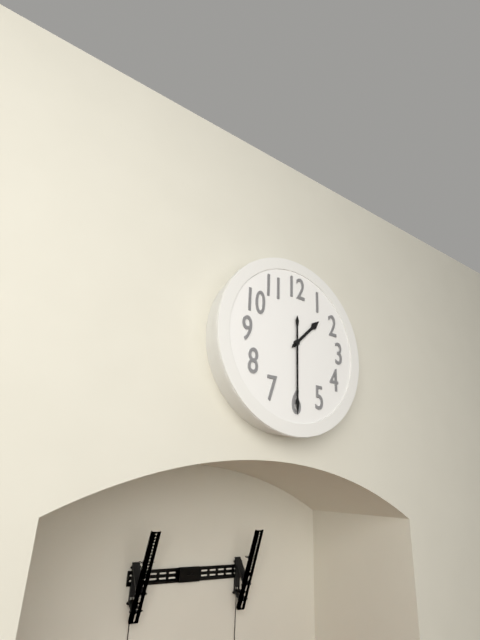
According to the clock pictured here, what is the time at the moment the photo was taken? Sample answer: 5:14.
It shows 1:30
